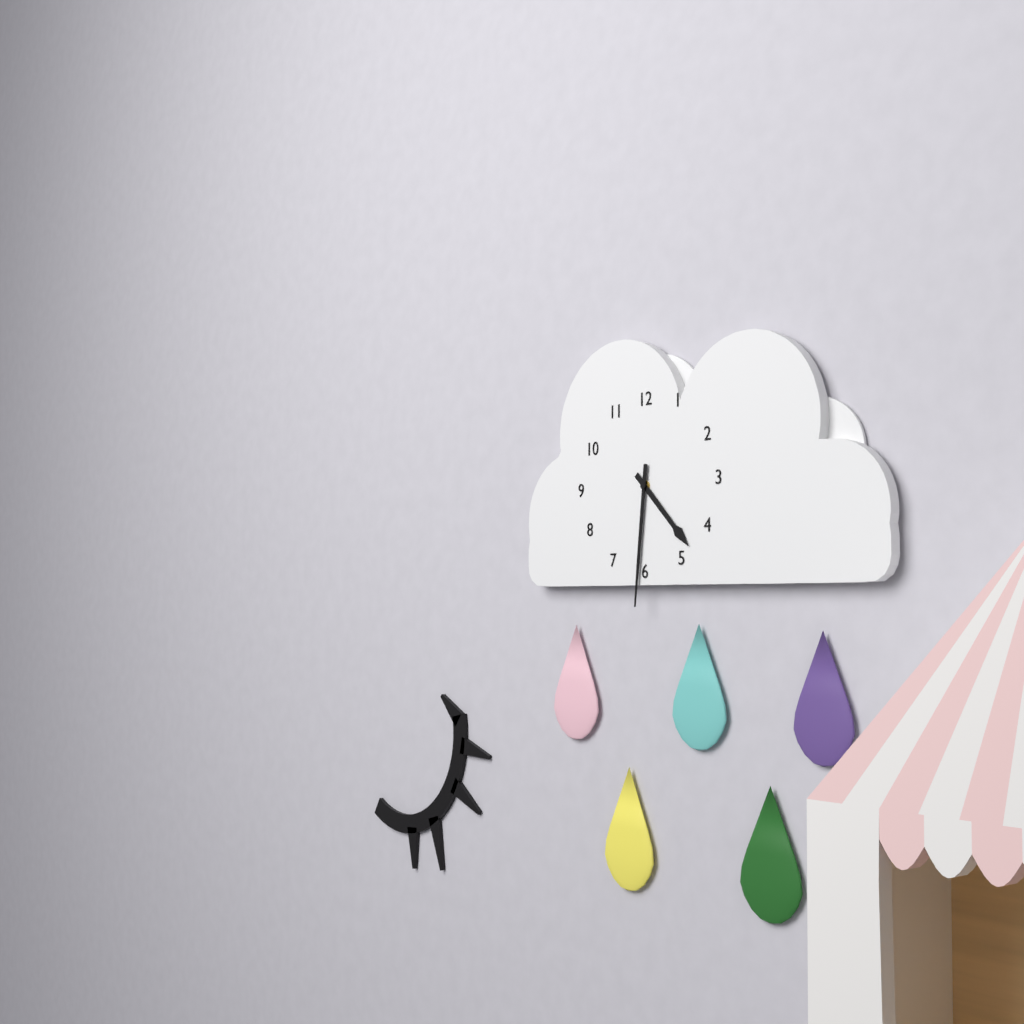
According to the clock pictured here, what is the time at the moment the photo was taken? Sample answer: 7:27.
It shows 4:31
